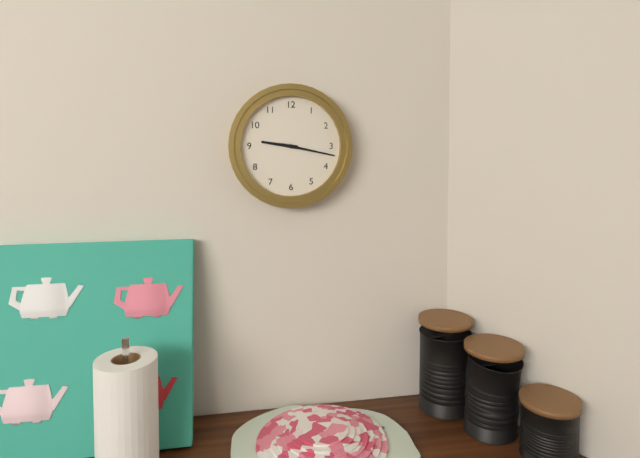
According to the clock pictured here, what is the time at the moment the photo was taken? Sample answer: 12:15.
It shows 9:17
